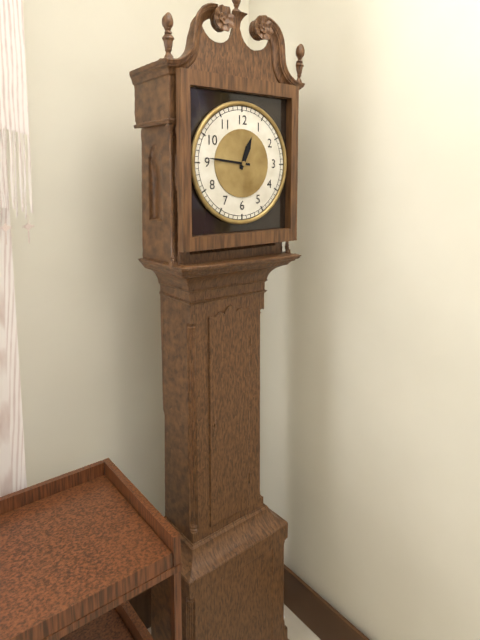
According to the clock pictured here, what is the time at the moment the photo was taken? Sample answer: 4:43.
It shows 12:46
